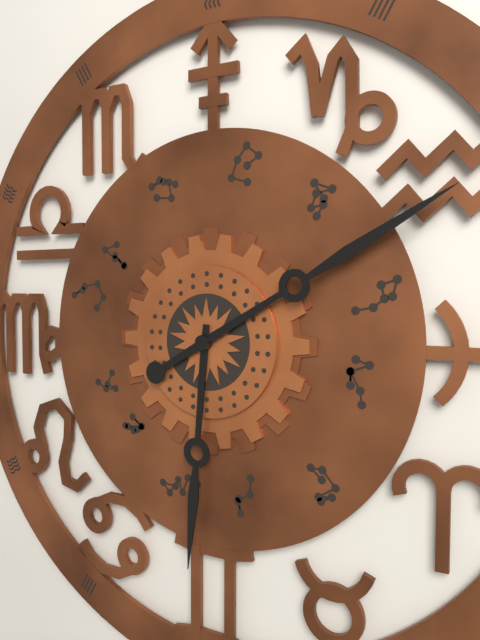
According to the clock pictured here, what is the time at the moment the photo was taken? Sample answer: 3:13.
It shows 6:10
